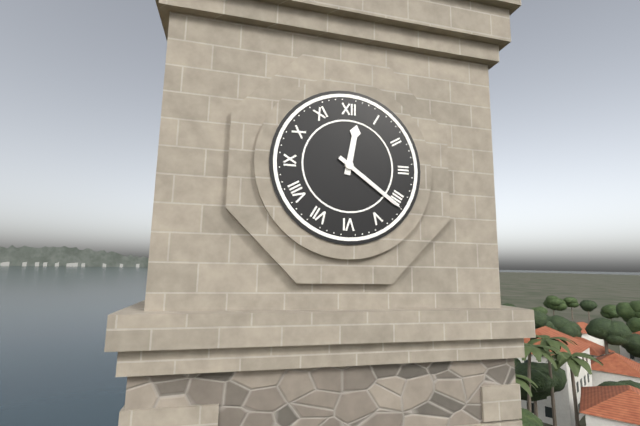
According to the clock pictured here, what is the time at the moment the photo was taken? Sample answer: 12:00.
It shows 12:21
